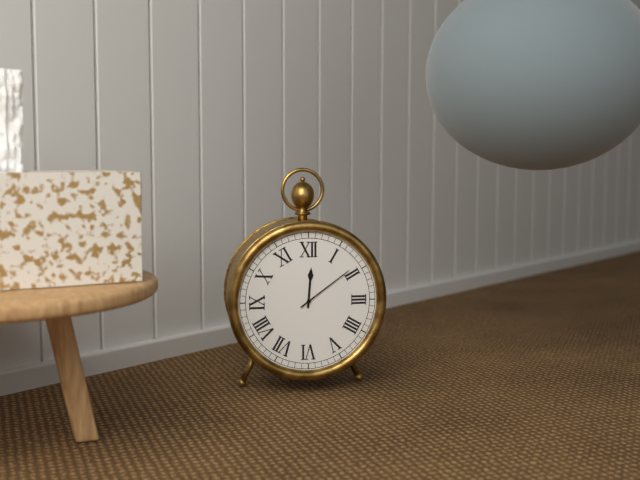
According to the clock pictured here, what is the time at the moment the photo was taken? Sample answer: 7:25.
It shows 12:09
